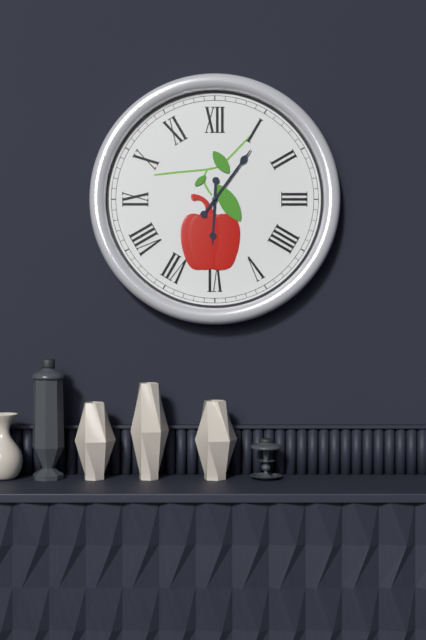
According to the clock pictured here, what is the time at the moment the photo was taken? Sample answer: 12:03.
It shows 6:06
